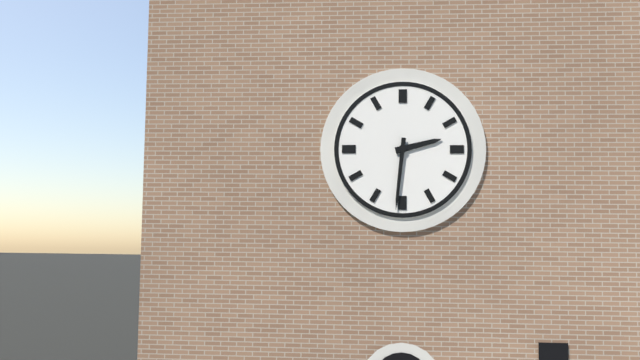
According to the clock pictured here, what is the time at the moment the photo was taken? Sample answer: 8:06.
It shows 2:31
